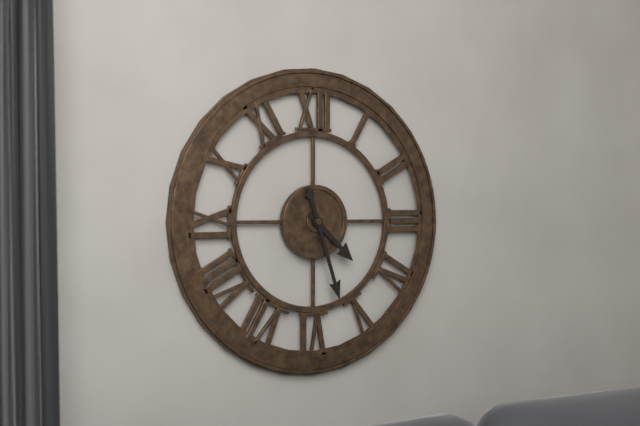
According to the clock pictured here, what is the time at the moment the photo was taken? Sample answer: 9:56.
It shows 4:27
